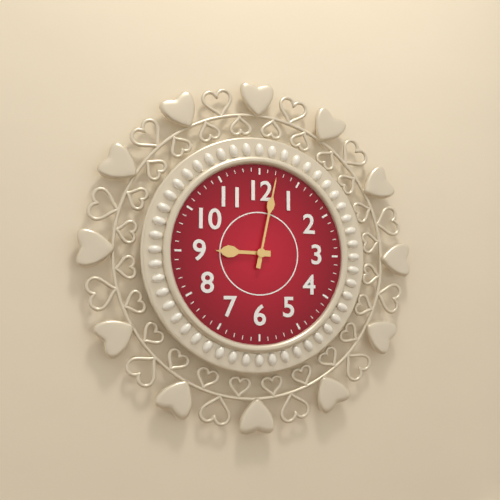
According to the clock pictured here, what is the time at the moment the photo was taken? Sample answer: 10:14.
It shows 9:02
